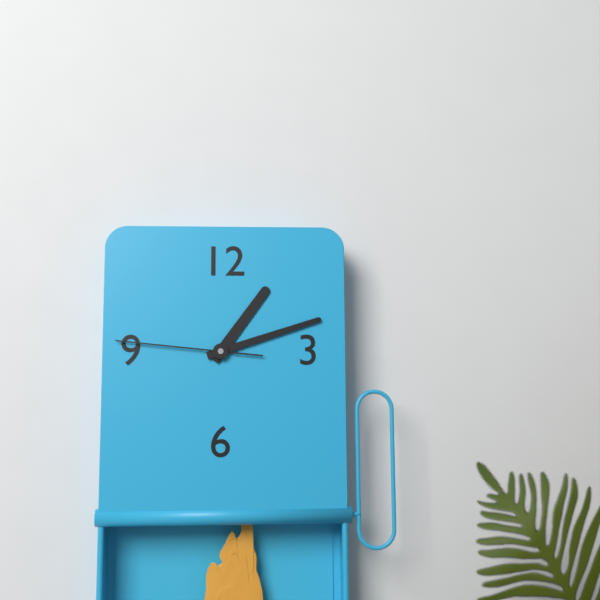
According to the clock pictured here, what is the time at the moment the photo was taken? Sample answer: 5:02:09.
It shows 1:12:46
